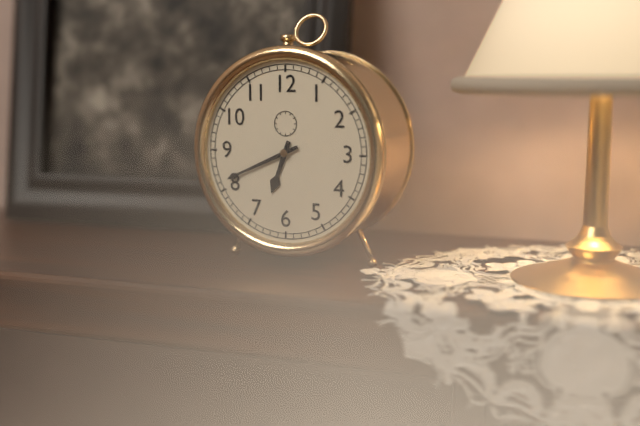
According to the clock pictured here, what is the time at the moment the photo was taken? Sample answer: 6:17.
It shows 6:41
